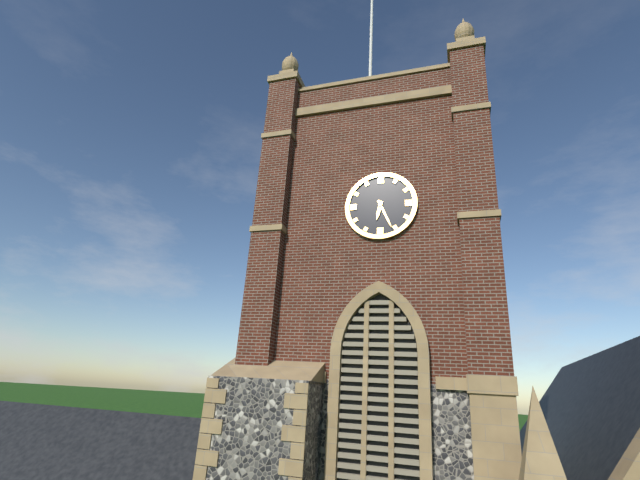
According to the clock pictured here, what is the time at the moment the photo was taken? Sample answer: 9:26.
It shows 6:26
